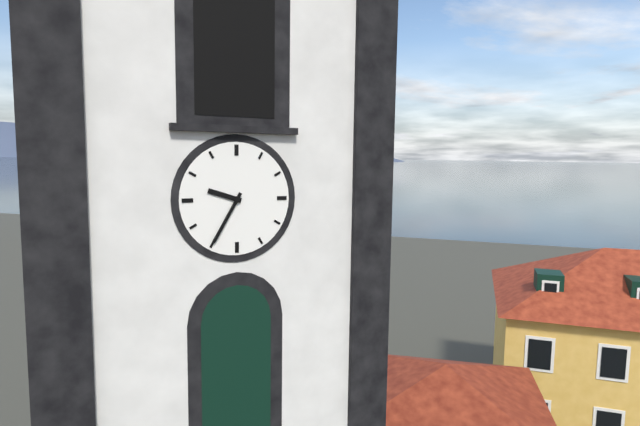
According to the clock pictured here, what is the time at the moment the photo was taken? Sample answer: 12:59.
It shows 9:35
